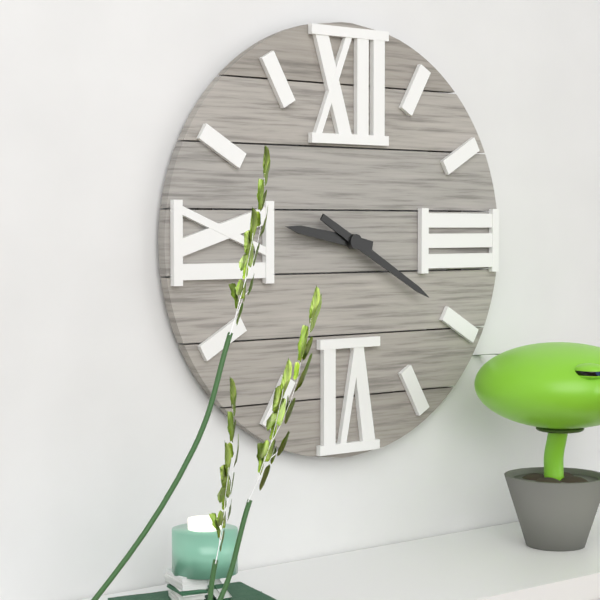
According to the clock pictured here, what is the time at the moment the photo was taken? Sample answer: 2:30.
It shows 9:20
